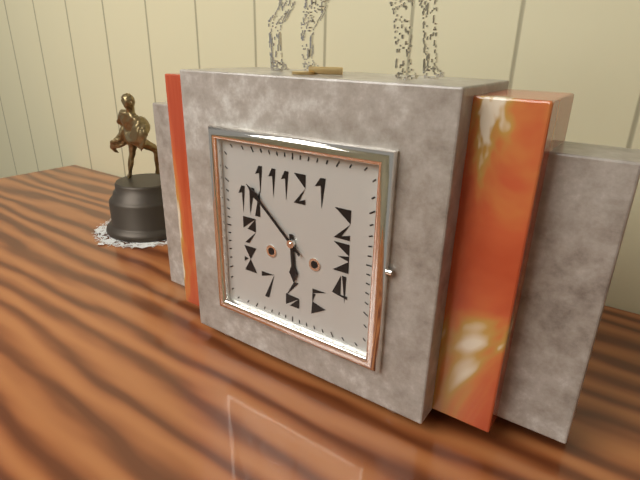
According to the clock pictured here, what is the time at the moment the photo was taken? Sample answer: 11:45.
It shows 5:52
